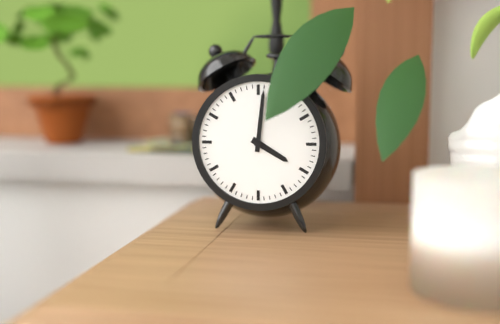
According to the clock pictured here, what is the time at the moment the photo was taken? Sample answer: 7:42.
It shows 4:01
